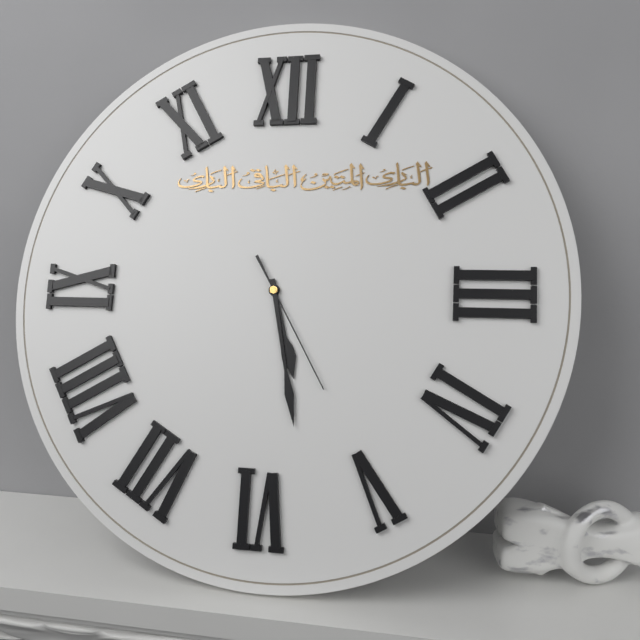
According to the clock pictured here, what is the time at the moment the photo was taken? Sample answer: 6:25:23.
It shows 5:28:25
